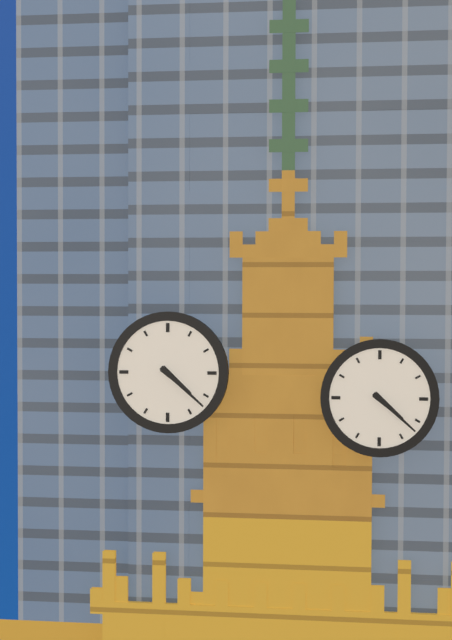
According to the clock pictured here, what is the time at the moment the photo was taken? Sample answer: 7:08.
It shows 4:22
